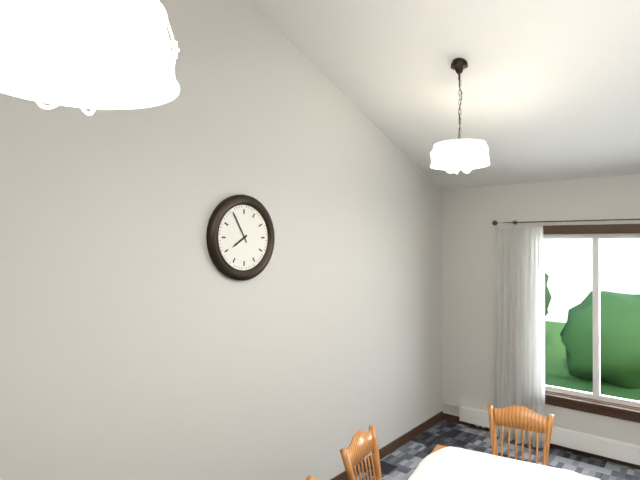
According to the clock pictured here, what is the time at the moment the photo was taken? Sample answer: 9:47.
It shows 7:55
